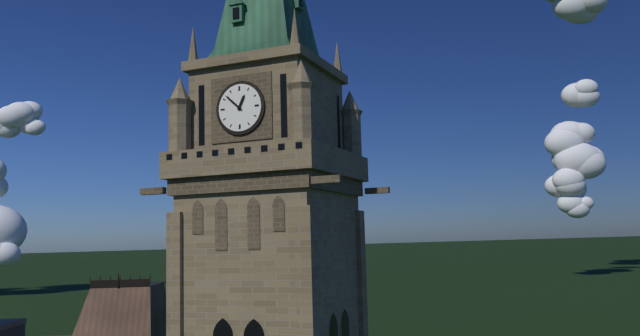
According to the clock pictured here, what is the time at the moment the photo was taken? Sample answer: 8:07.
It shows 12:52
